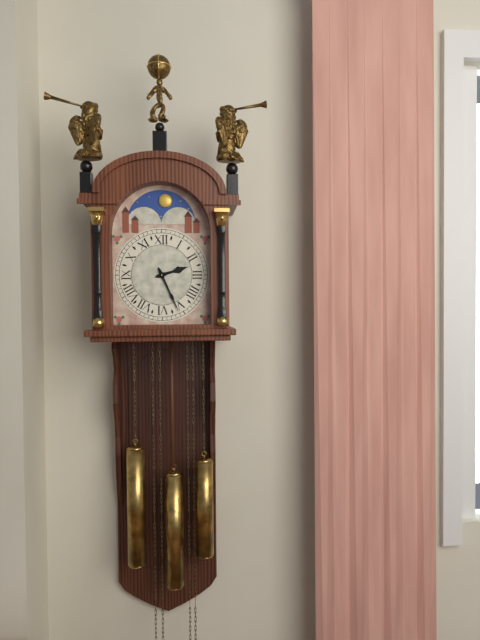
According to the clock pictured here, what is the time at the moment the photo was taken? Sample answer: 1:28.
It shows 2:26
